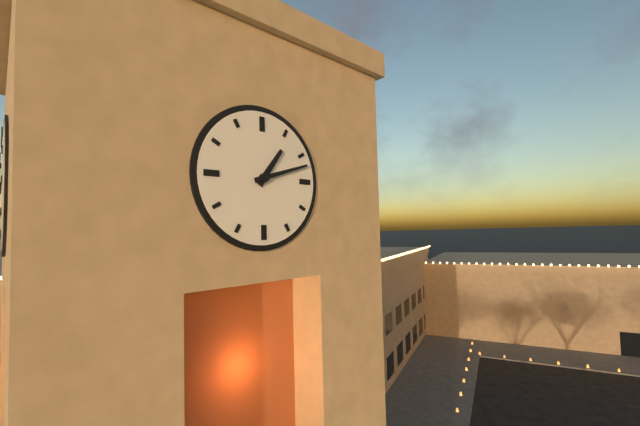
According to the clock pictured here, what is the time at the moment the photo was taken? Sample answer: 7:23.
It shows 1:12
